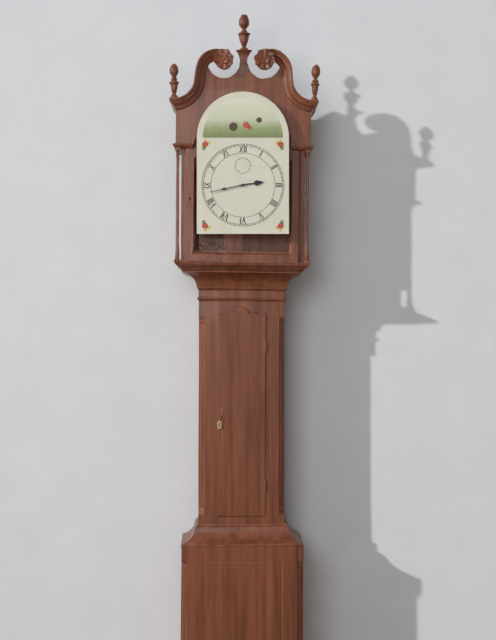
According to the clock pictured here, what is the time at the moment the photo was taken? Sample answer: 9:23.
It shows 2:43
